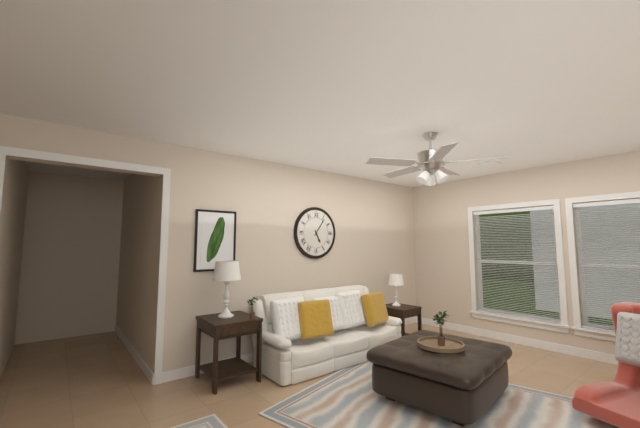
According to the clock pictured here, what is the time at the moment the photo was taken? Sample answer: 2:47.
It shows 5:06
